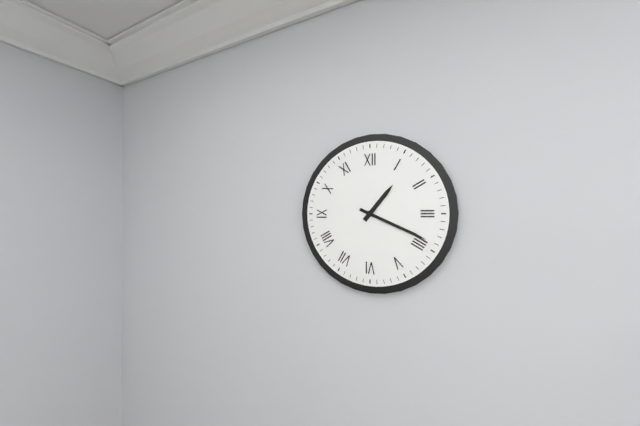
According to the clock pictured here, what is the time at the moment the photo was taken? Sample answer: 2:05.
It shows 1:19
